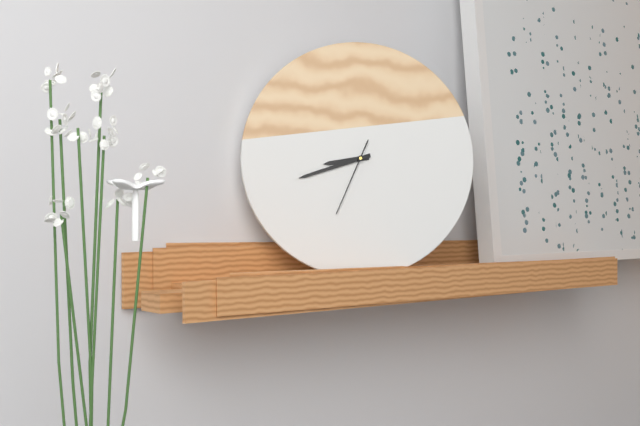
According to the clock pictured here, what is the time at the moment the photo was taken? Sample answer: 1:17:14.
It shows 8:42:34
